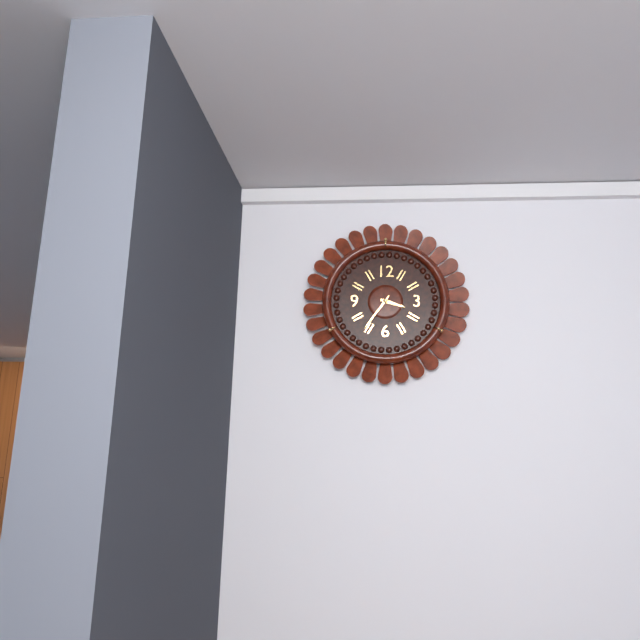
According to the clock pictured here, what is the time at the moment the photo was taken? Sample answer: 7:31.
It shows 3:36
